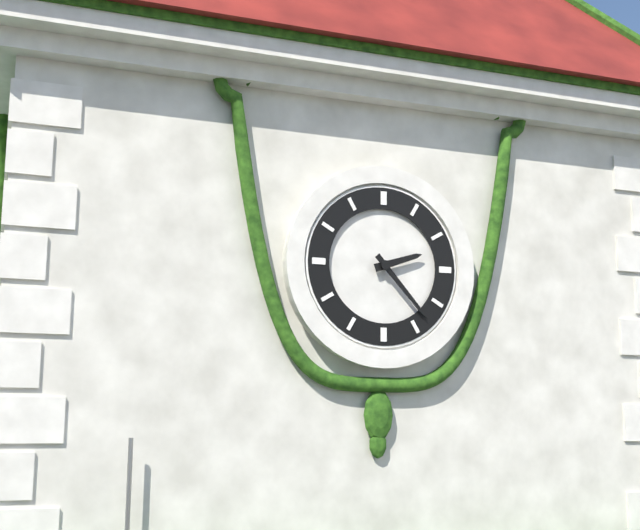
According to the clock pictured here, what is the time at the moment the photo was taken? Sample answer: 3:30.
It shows 2:23
